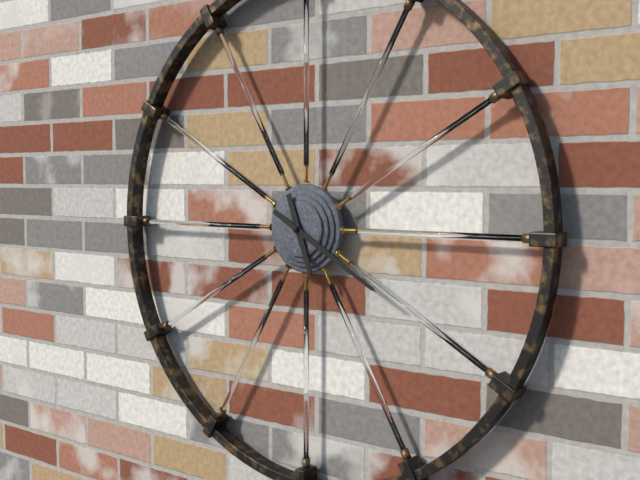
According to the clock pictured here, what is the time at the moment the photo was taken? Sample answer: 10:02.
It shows 5:20
